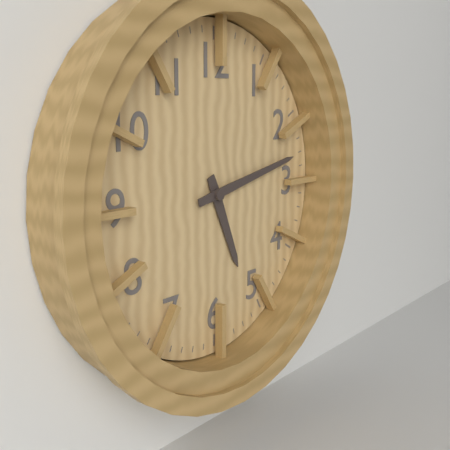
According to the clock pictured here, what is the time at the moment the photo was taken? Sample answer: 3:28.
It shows 5:13
